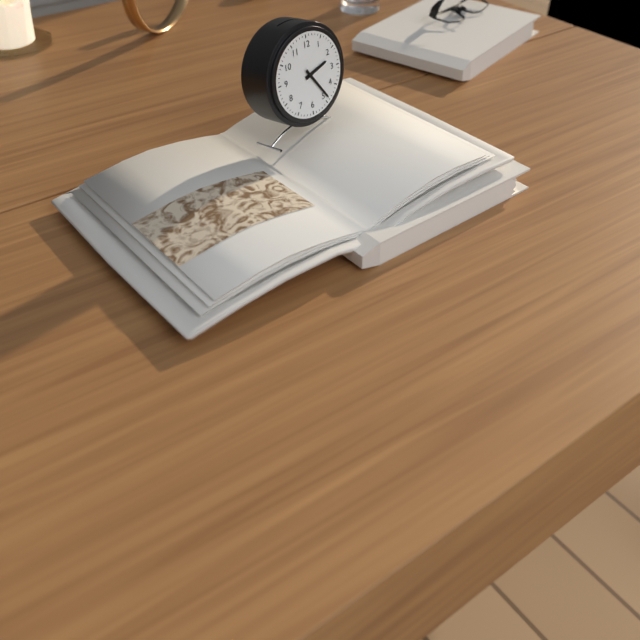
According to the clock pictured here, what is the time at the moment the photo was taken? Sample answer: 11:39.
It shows 2:24
